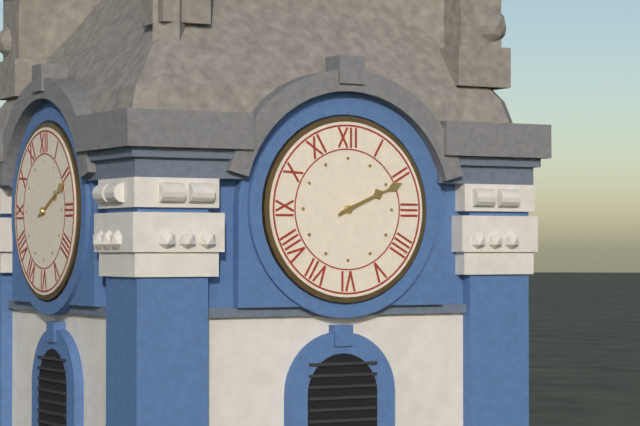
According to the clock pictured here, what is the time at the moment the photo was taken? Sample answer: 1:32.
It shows 2:11
